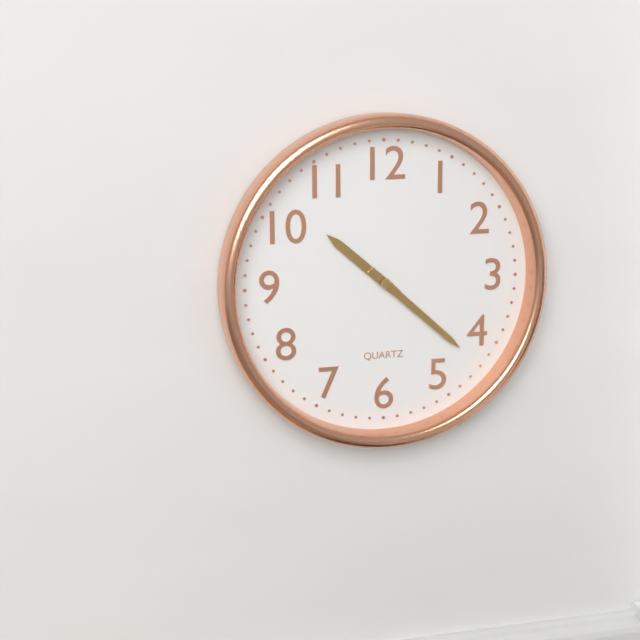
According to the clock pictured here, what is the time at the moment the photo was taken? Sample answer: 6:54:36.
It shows 10:22:22
